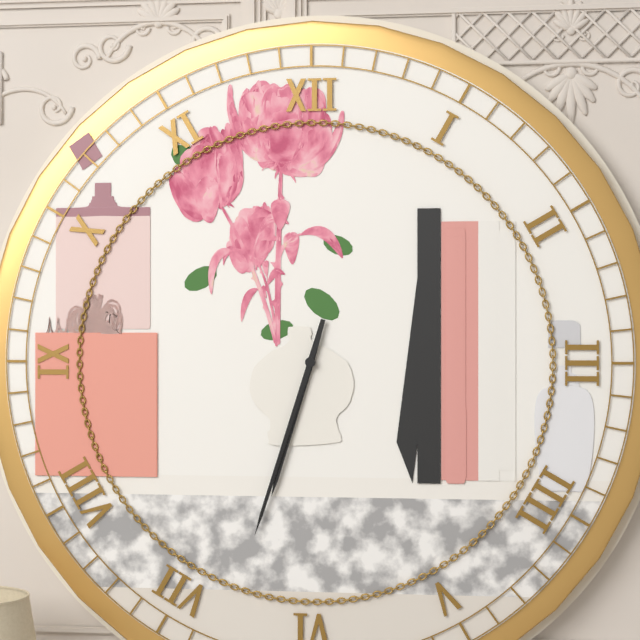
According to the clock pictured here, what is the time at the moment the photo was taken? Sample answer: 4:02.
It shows 6:33
